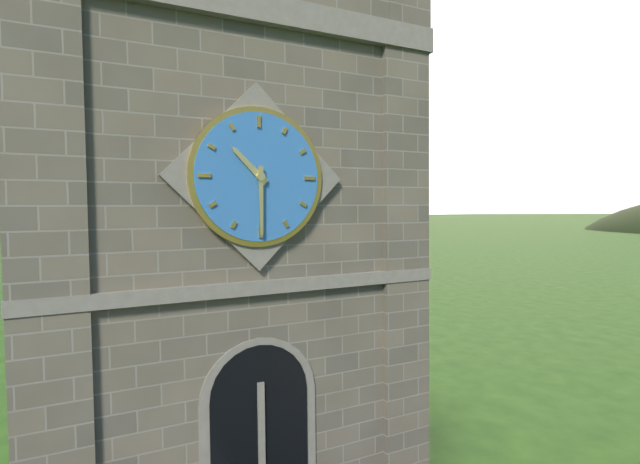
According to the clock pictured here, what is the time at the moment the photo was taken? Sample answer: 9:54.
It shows 10:30
